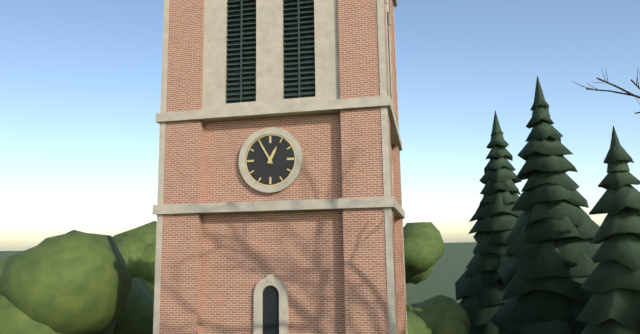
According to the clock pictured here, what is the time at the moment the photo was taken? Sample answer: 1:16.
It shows 12:55
